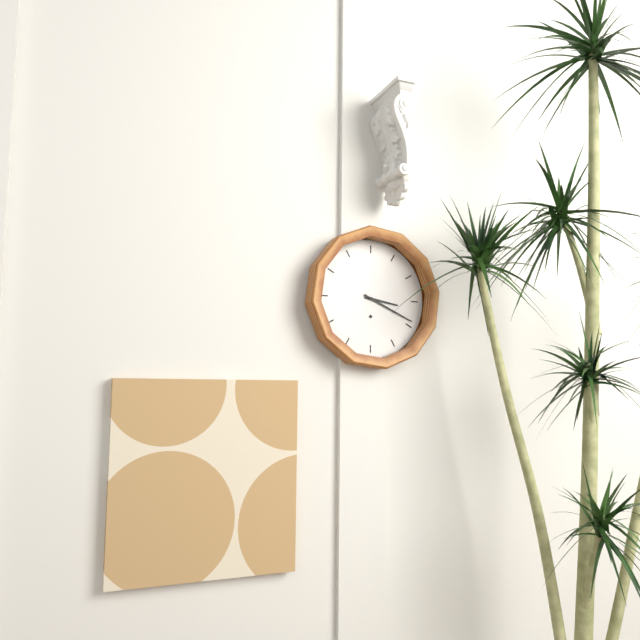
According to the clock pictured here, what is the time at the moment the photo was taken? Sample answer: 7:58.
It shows 3:19
